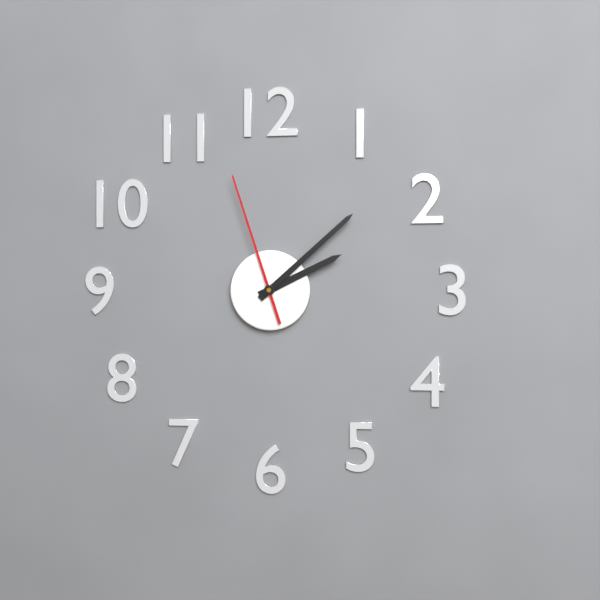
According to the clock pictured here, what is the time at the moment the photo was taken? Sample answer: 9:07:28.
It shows 2:08:57
